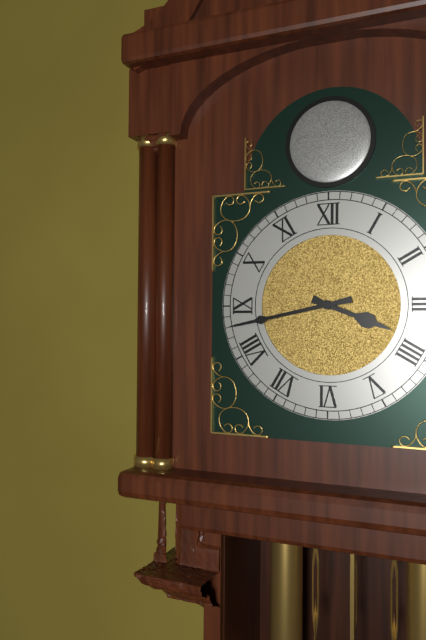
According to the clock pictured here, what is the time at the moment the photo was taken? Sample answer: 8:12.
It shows 3:43
